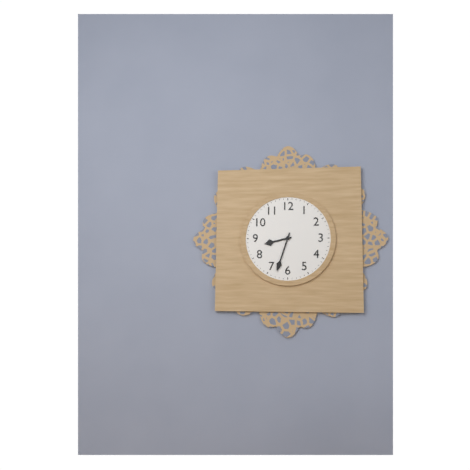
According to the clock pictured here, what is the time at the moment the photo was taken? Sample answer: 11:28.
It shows 8:33
